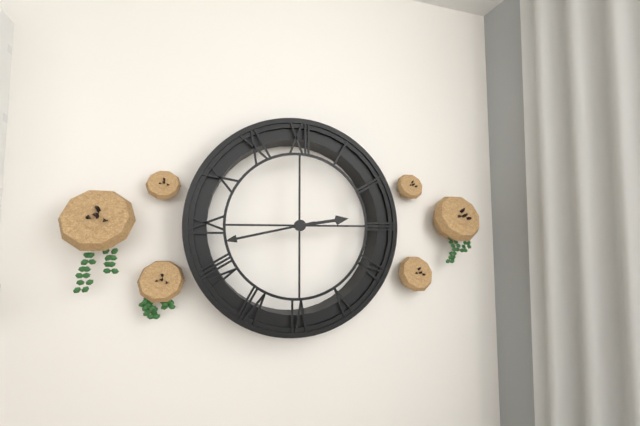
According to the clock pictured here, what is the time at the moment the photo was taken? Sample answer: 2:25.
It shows 2:43
